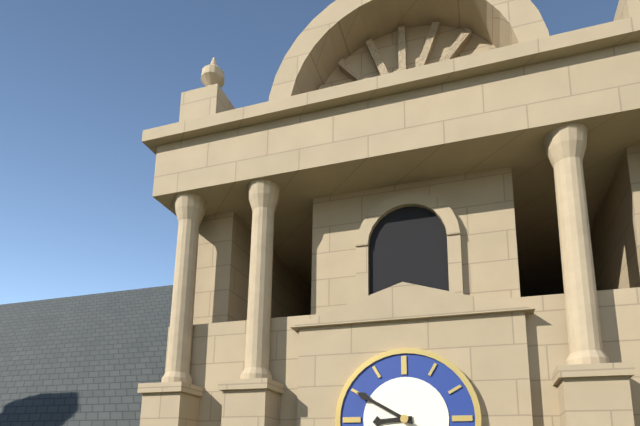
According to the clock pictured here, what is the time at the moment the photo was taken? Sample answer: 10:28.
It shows 8:50
